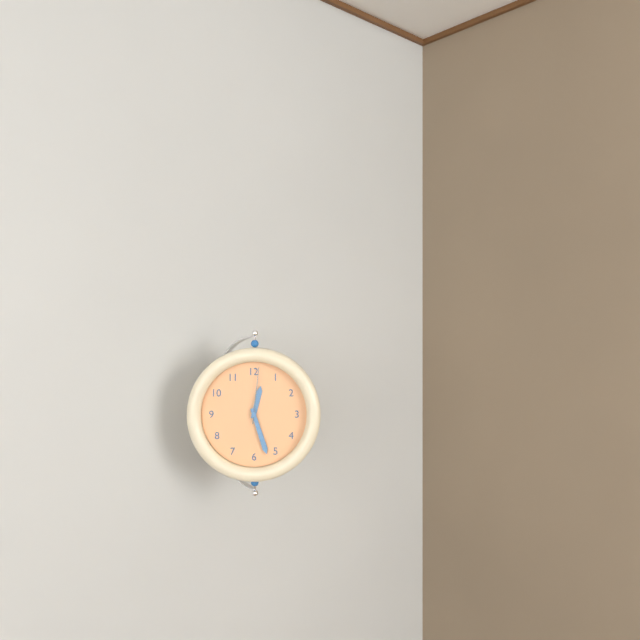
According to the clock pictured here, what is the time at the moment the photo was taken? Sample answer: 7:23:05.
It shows 12:27:01
